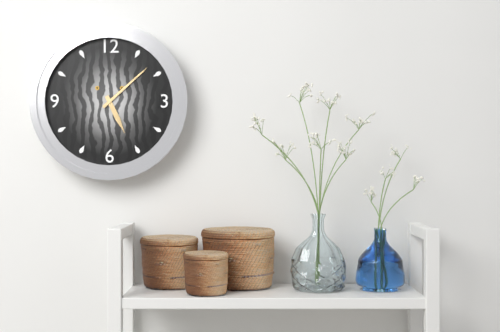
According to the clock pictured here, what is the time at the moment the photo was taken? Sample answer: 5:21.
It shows 5:08
